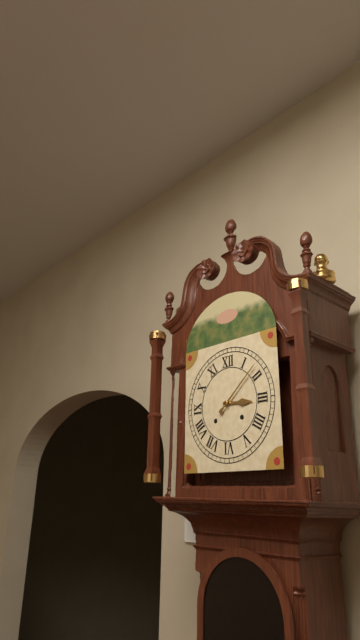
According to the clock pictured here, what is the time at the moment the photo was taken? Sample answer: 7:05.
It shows 3:08
